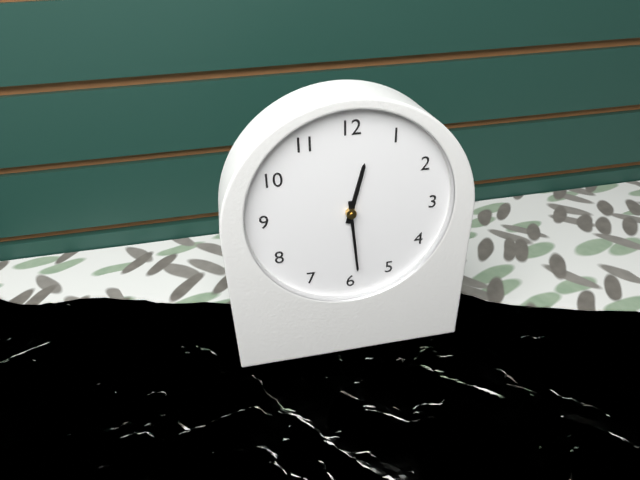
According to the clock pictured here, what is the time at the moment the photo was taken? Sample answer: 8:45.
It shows 12:29
